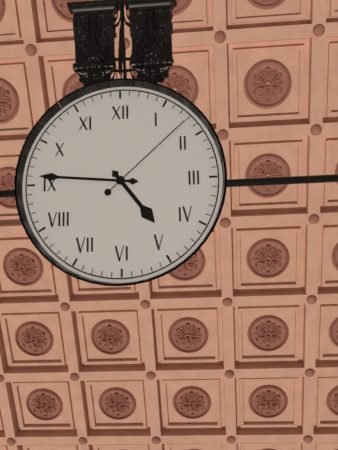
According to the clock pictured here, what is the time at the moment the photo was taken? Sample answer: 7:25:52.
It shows 4:46:08
